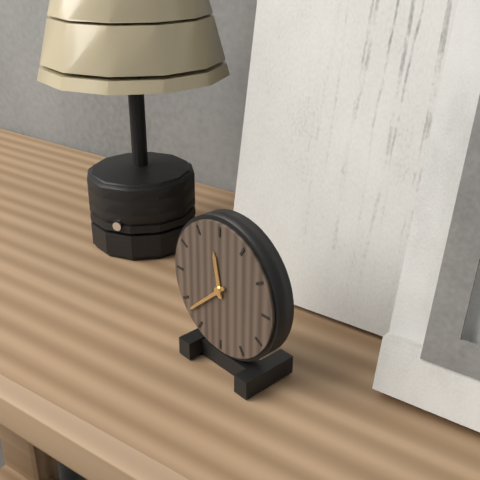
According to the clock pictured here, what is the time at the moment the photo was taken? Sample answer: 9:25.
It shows 11:38
